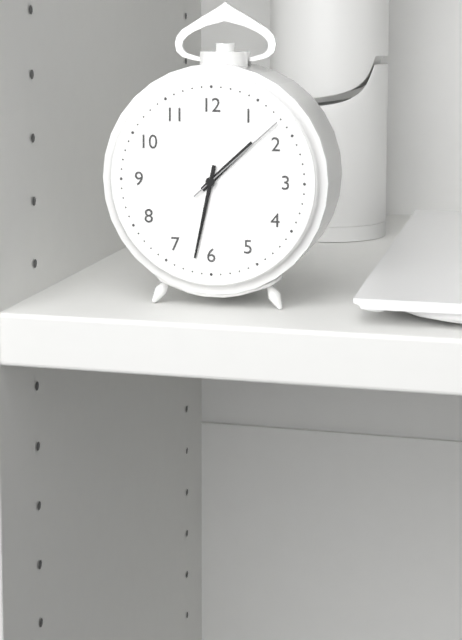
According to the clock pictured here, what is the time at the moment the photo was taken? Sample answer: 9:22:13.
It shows 1:32:08
